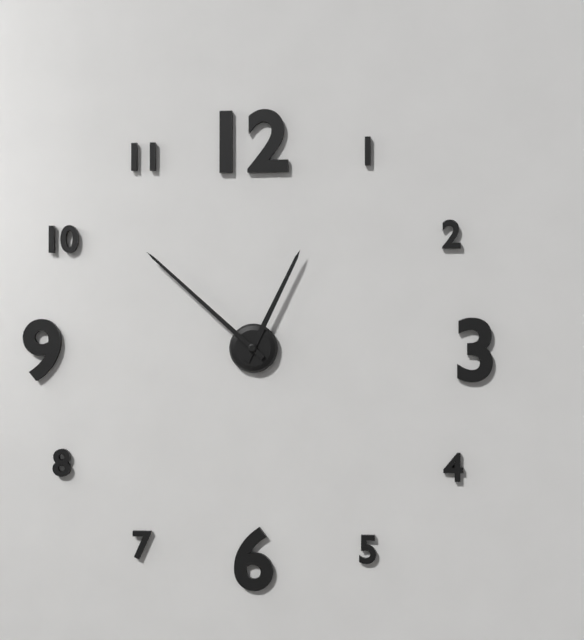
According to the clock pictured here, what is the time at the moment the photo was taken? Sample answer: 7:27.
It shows 12:52
